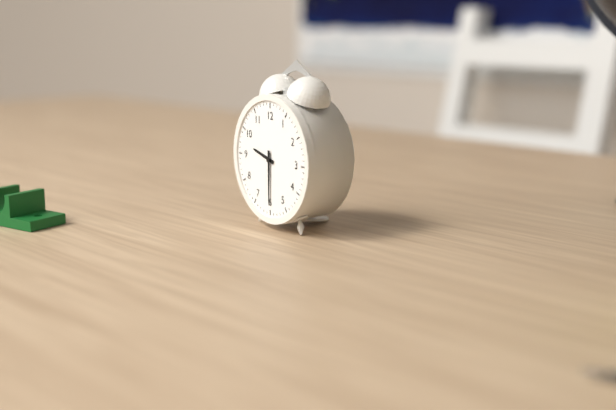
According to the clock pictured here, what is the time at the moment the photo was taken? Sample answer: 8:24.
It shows 9:30
